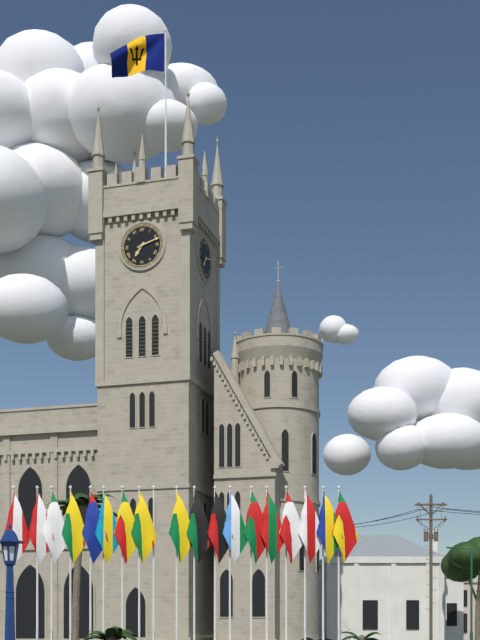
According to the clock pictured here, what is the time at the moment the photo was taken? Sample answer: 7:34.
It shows 7:12
